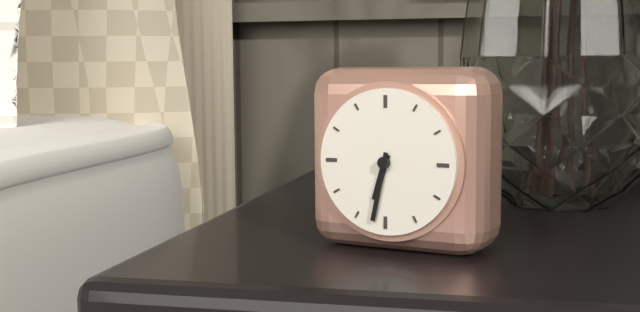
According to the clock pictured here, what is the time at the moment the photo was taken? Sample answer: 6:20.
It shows 6:32
